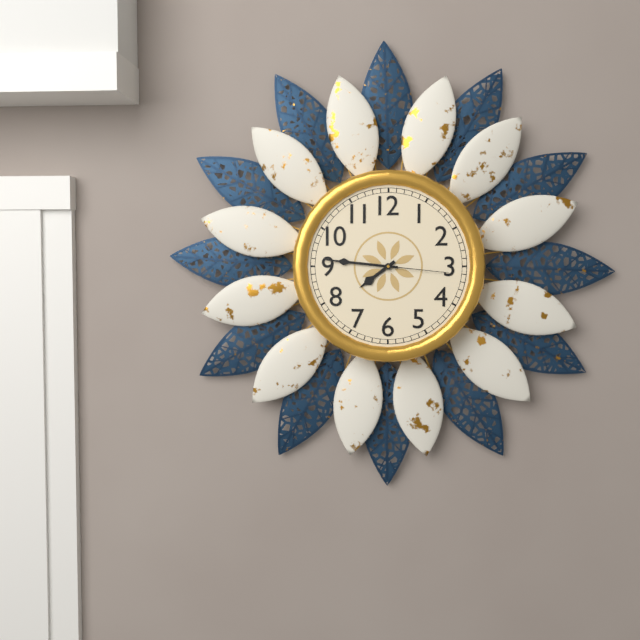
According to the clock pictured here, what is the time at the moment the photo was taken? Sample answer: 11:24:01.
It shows 7:46:16
